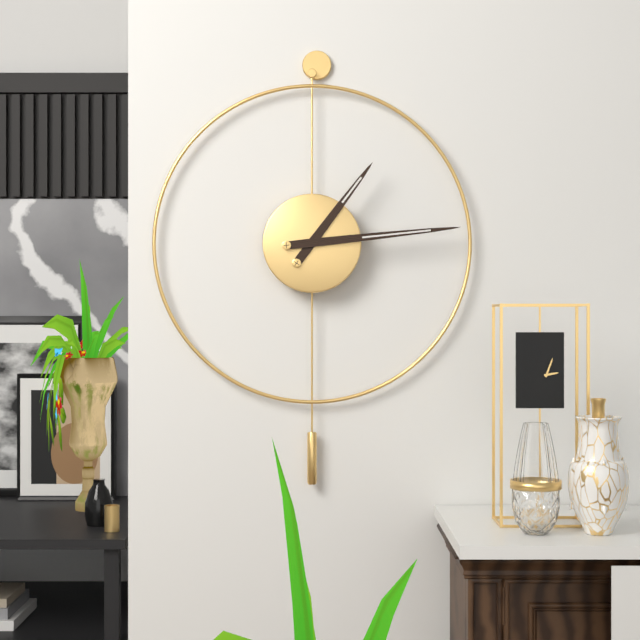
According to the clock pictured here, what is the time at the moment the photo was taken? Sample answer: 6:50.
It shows 1:14
